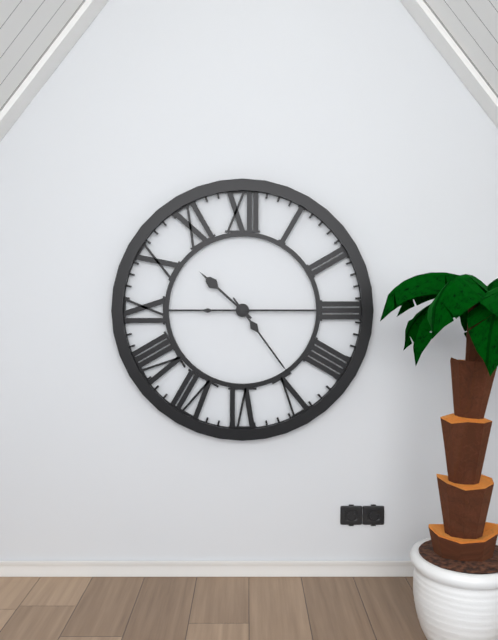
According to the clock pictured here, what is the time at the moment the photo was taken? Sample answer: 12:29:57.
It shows 10:24:15
